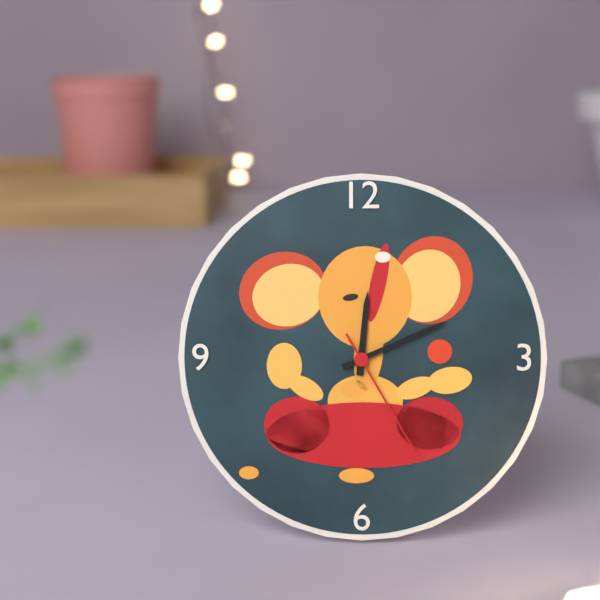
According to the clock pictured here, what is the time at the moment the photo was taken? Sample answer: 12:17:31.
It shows 12:11:25
